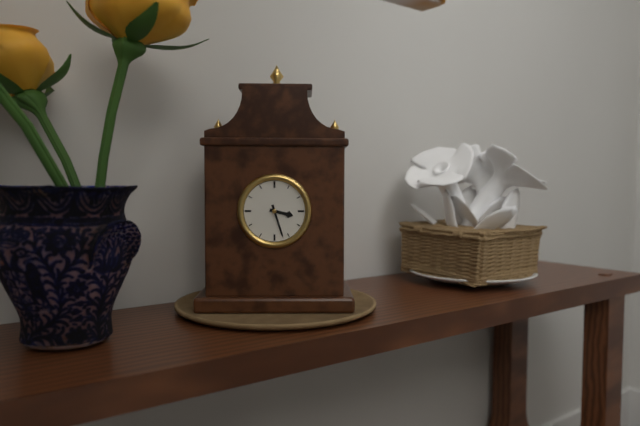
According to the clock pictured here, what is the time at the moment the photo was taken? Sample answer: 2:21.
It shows 3:27
